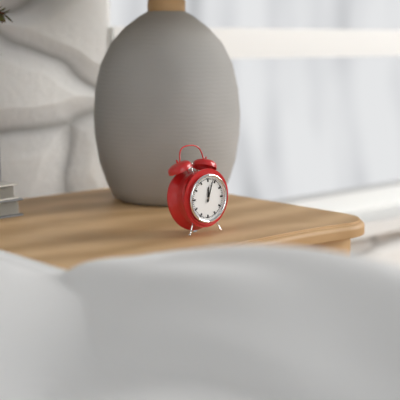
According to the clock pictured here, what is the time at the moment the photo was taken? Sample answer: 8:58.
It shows 12:03
